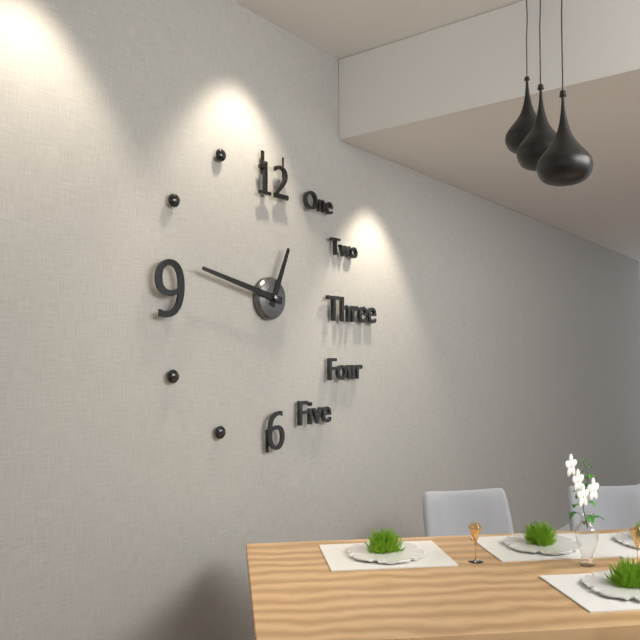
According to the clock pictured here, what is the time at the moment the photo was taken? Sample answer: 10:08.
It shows 12:47
